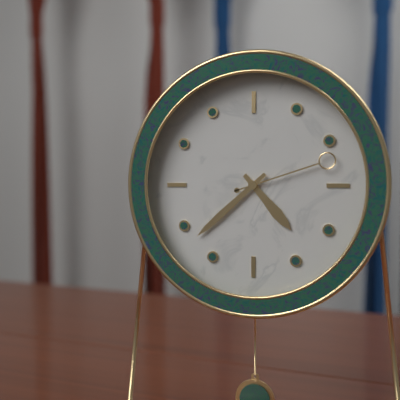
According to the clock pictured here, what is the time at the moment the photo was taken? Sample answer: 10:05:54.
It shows 4:38:12
